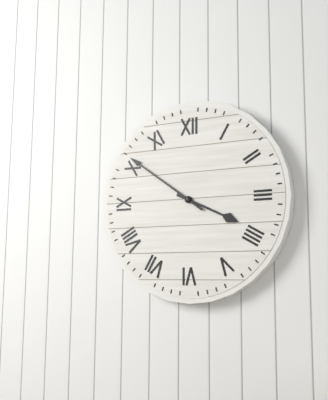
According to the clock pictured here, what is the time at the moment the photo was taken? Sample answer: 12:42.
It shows 3:51
